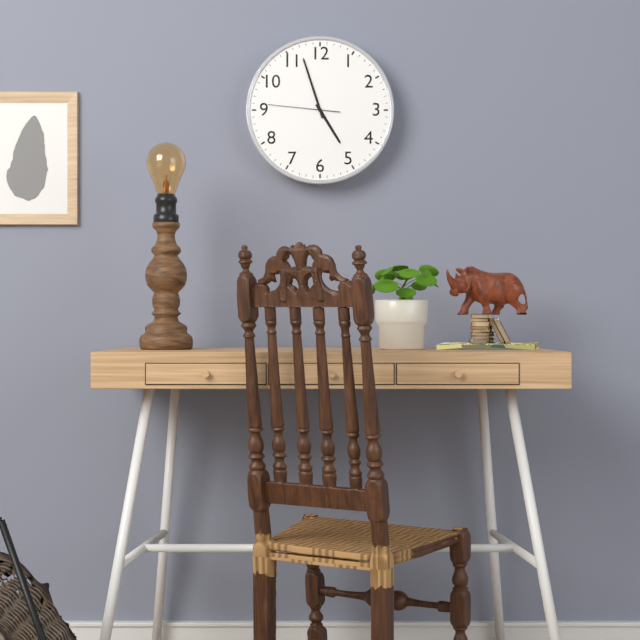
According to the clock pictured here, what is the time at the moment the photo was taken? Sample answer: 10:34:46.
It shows 4:57:46
